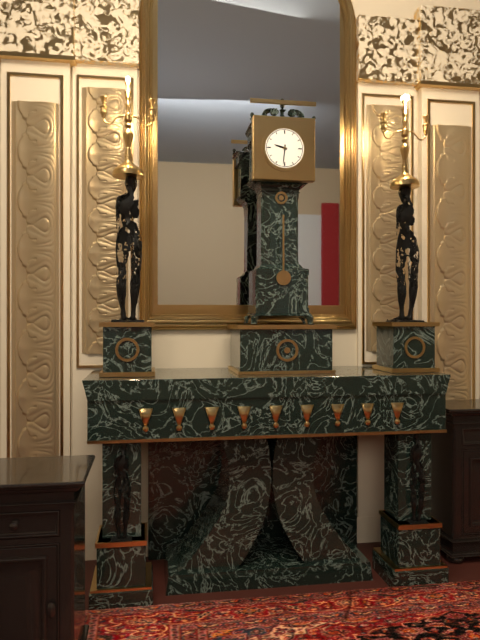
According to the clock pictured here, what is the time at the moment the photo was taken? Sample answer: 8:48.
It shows 9:31
